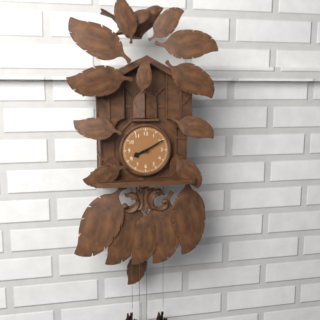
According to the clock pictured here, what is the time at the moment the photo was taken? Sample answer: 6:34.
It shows 8:10
